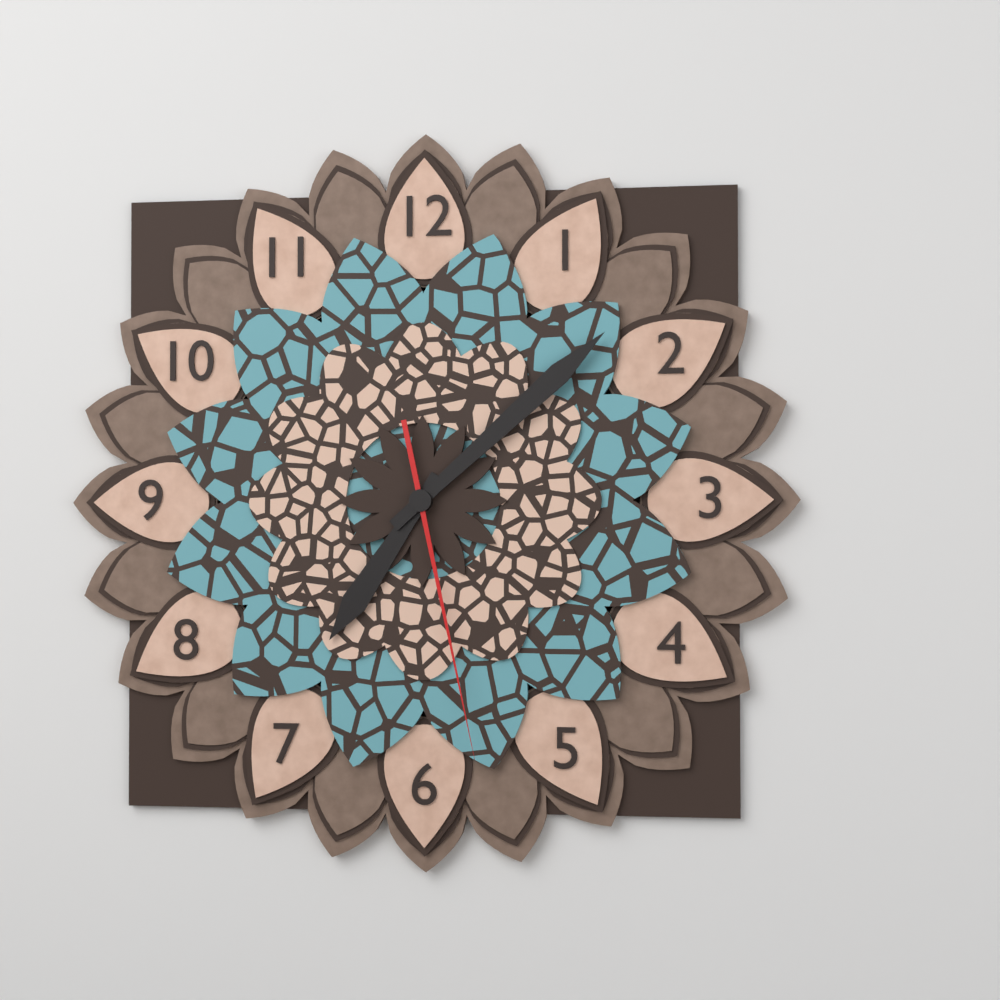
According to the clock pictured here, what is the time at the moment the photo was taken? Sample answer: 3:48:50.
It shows 7:08:28
